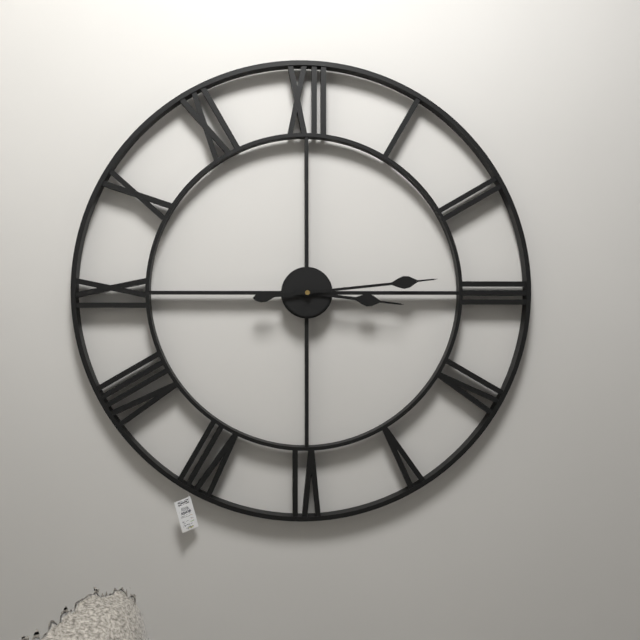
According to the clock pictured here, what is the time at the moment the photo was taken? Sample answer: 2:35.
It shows 3:14
